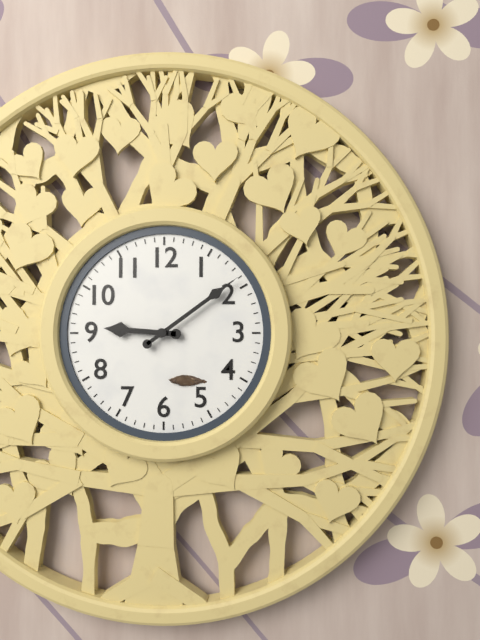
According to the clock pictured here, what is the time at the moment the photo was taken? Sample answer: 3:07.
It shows 9:09
